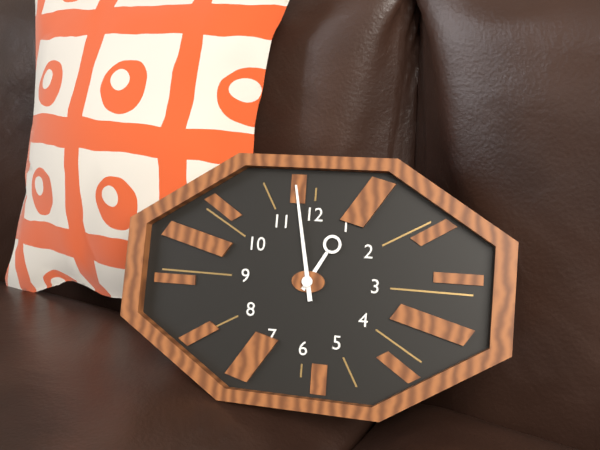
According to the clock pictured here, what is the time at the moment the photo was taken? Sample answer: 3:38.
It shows 12:58
